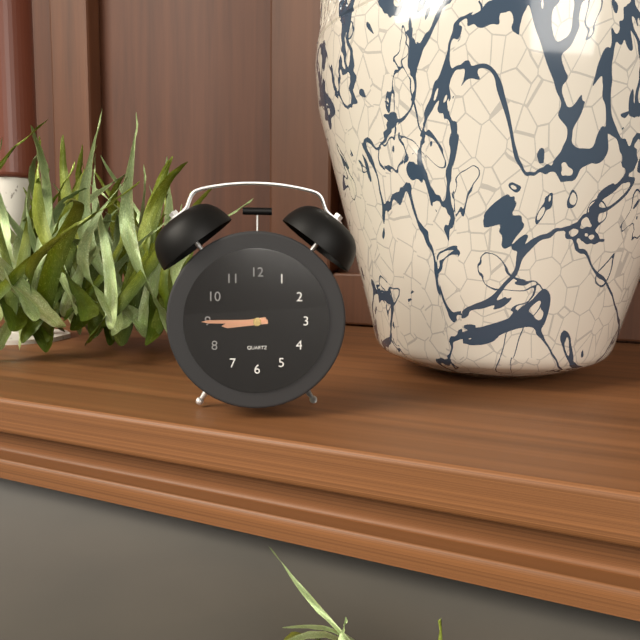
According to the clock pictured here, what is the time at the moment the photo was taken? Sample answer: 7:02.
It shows 8:45
